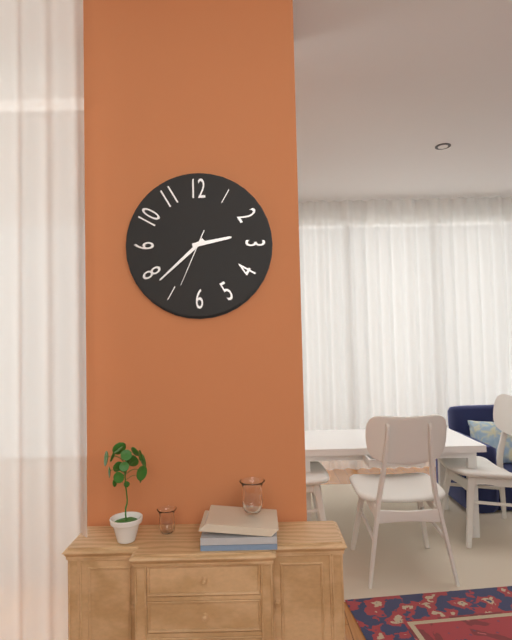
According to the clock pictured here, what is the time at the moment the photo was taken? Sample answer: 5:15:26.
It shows 2:38:34
